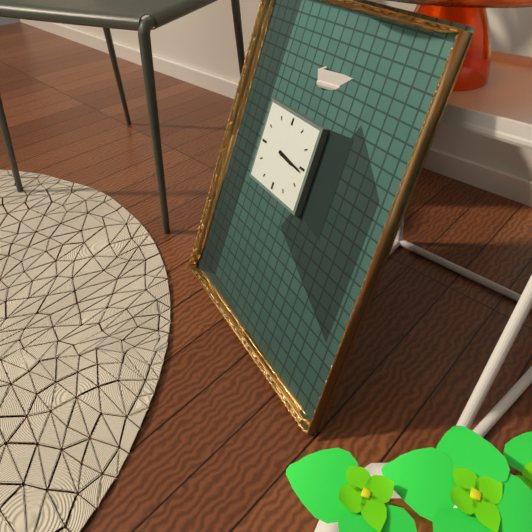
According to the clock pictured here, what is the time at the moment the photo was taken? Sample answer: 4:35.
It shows 3:16
